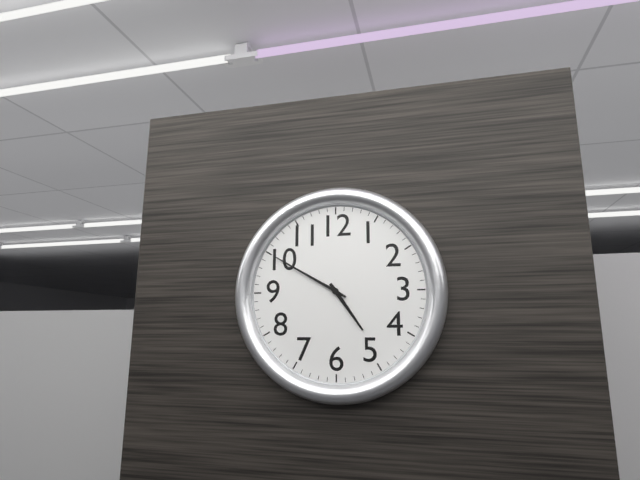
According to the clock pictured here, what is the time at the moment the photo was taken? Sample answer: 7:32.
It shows 4:50
